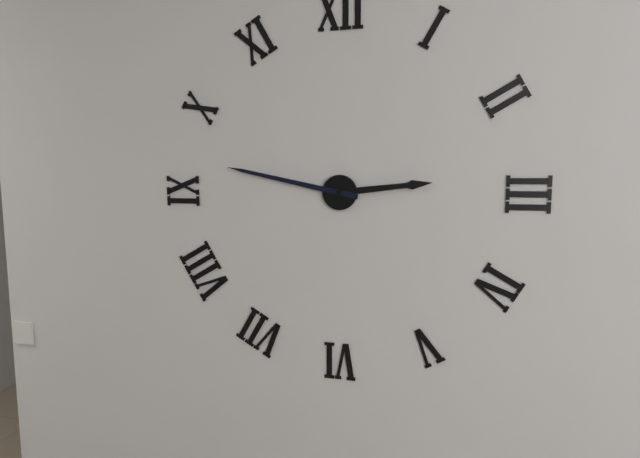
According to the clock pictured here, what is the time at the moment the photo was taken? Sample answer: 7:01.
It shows 2:47
